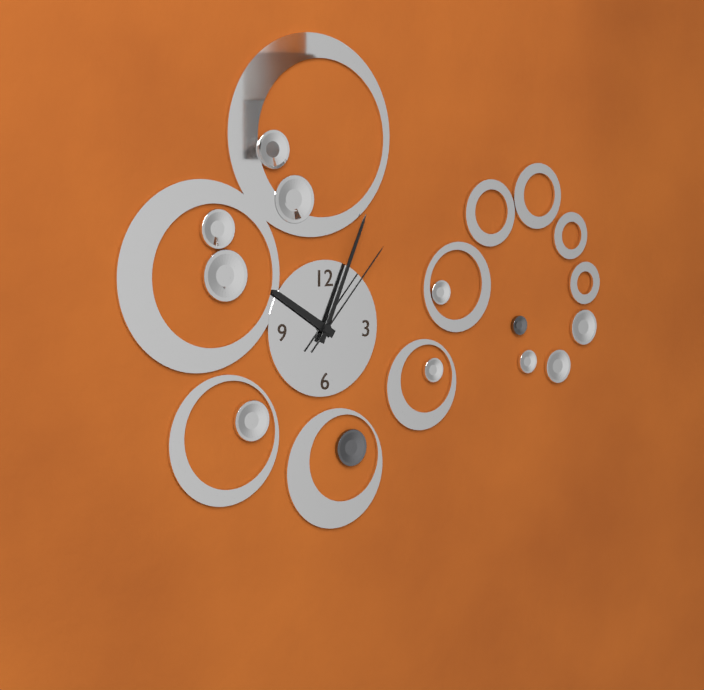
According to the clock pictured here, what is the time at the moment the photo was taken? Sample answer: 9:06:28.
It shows 10:04:07
